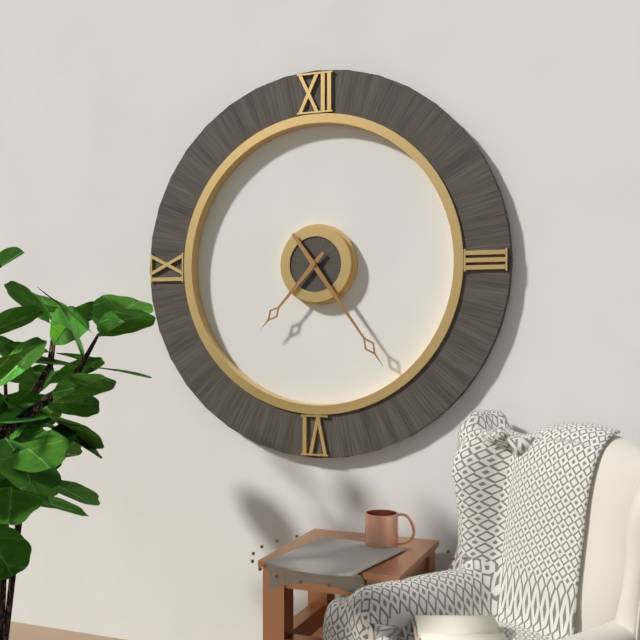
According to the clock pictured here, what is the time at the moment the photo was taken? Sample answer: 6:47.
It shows 7:24
